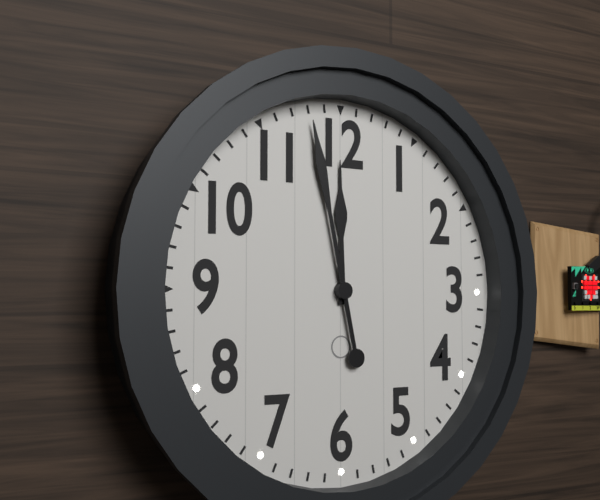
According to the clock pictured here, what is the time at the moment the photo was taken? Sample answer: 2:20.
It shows 11:58
